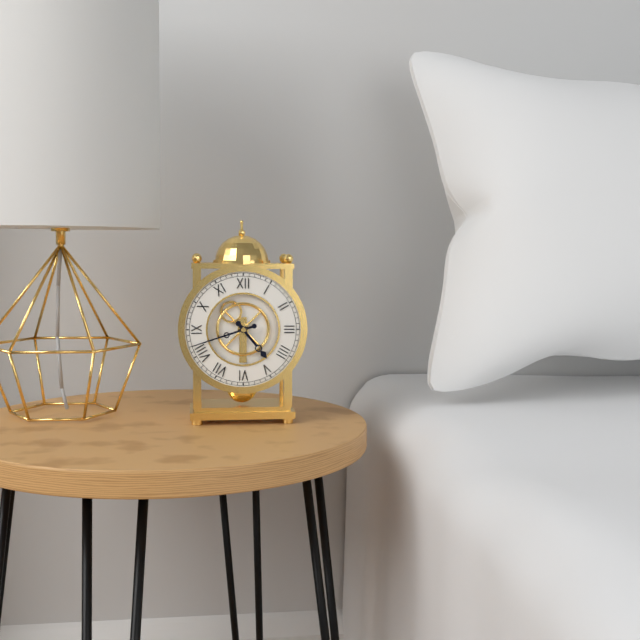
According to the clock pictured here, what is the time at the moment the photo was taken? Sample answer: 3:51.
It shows 4:42
